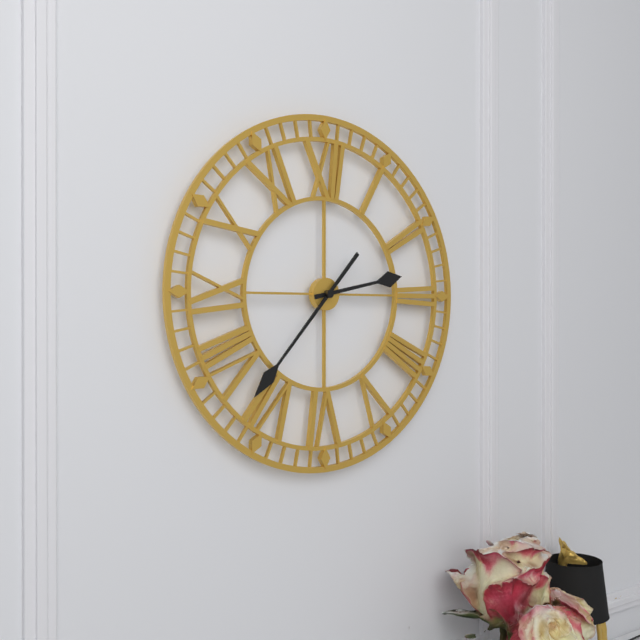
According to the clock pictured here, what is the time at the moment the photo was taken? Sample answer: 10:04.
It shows 2:37
